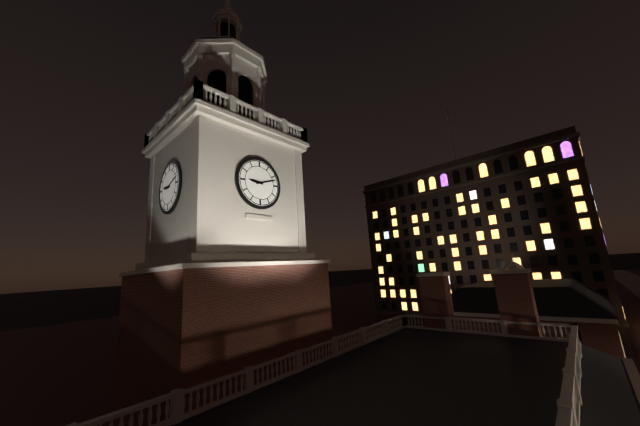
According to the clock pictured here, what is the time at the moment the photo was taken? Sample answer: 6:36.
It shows 9:12
